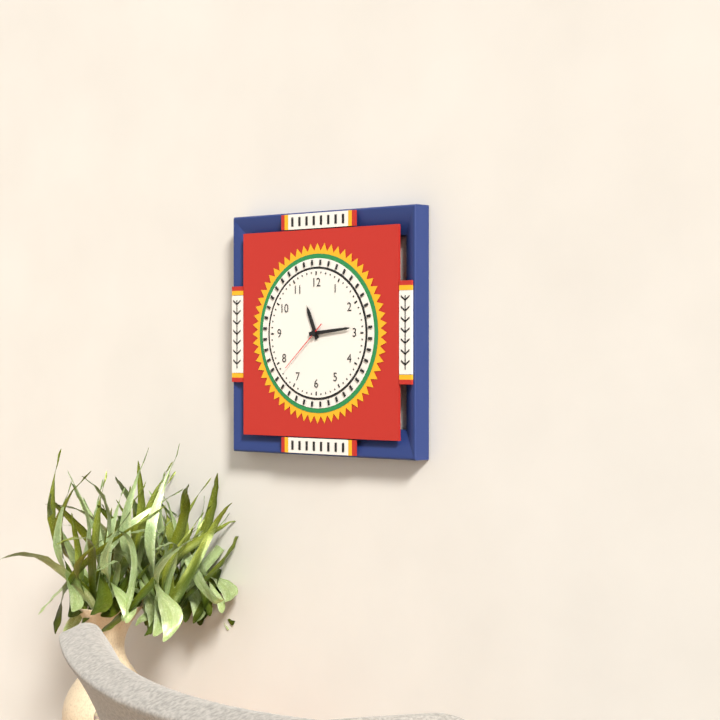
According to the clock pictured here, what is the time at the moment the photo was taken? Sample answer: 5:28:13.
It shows 11:14:38
